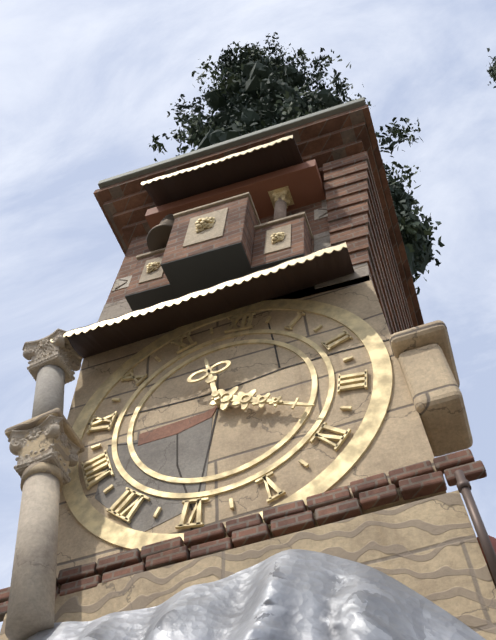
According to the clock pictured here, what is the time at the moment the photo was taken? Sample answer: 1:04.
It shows 11:18
